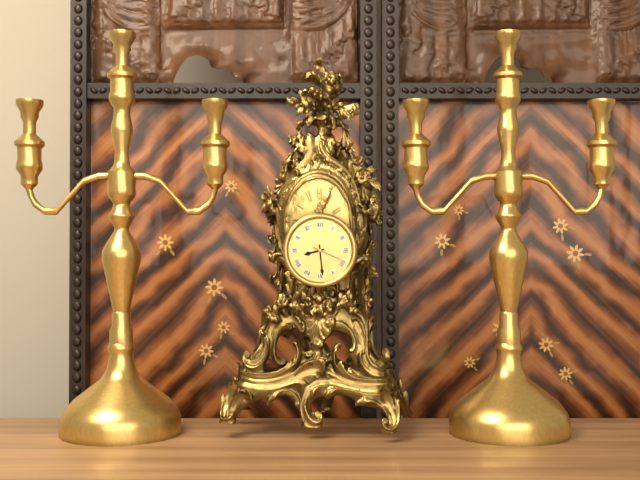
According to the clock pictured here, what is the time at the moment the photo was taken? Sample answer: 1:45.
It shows 8:29
